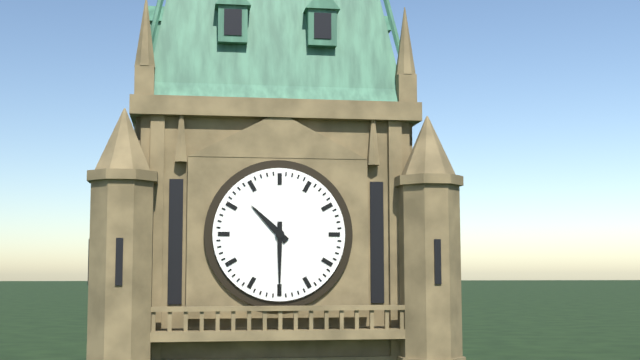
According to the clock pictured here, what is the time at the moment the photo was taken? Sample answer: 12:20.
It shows 10:30
